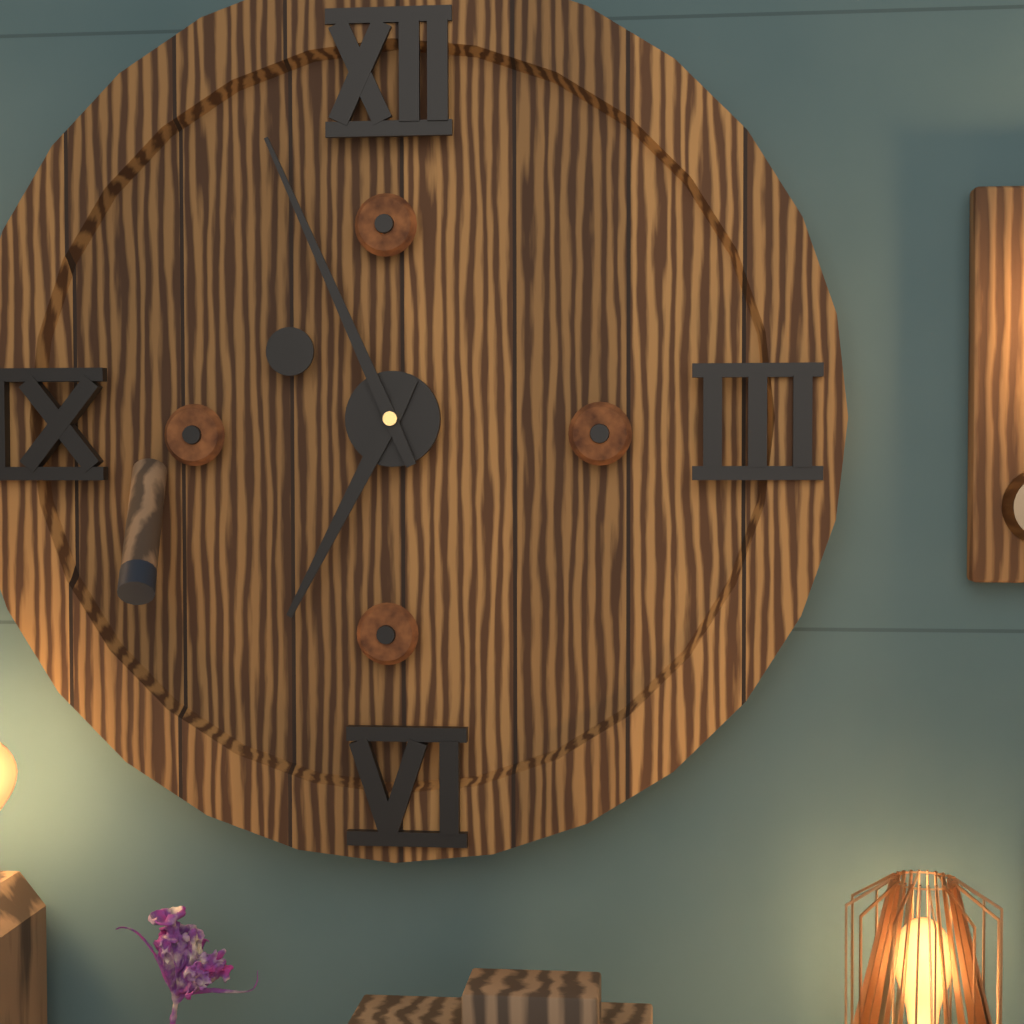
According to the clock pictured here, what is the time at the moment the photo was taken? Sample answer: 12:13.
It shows 6:56
